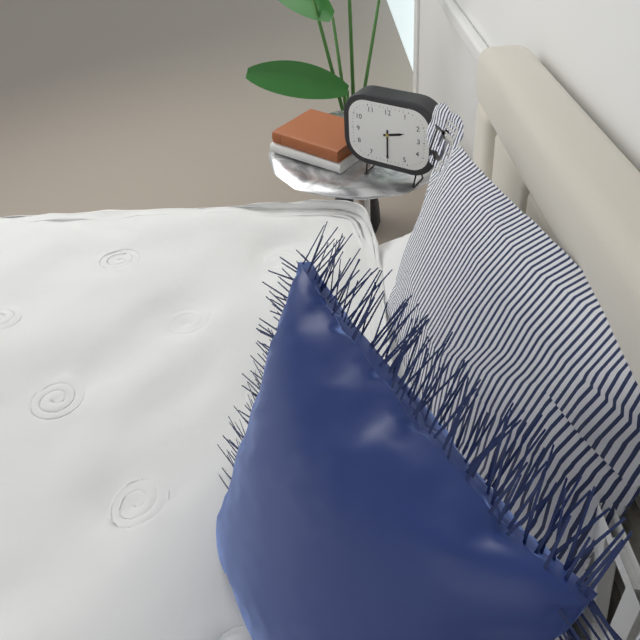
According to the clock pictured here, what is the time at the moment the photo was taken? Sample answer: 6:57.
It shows 2:30
